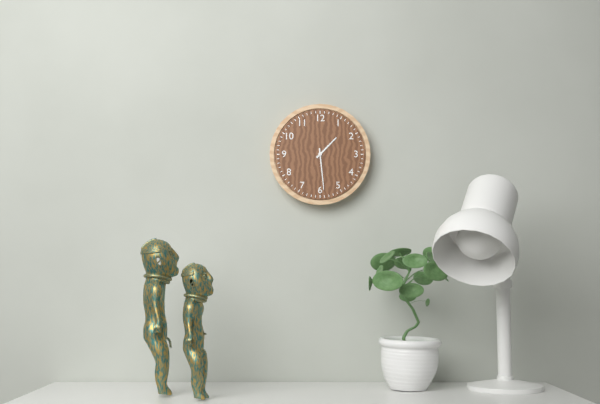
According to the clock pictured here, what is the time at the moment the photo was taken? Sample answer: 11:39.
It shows 1:29
